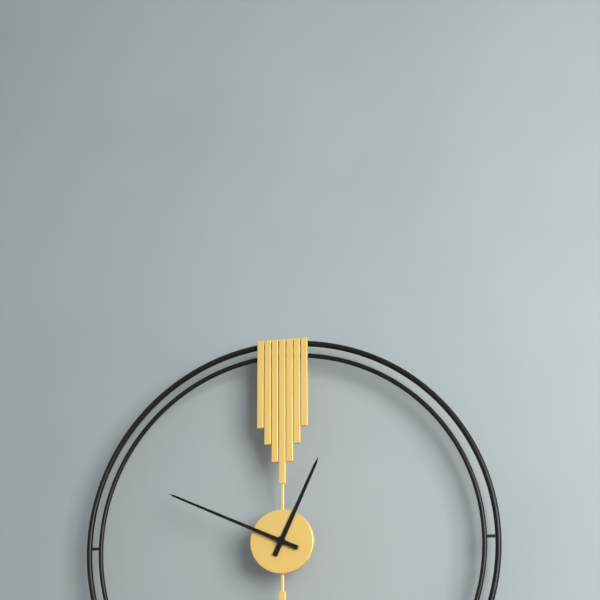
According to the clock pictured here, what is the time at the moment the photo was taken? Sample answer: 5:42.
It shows 12:49
